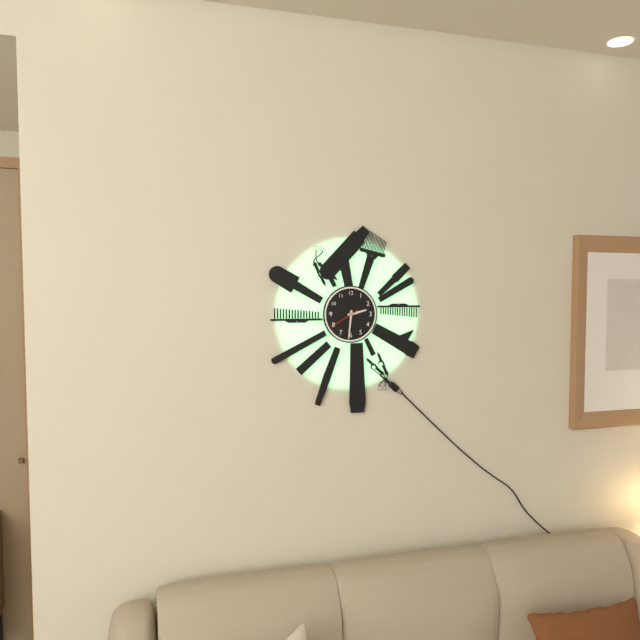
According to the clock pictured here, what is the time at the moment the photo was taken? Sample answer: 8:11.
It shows 2:31
